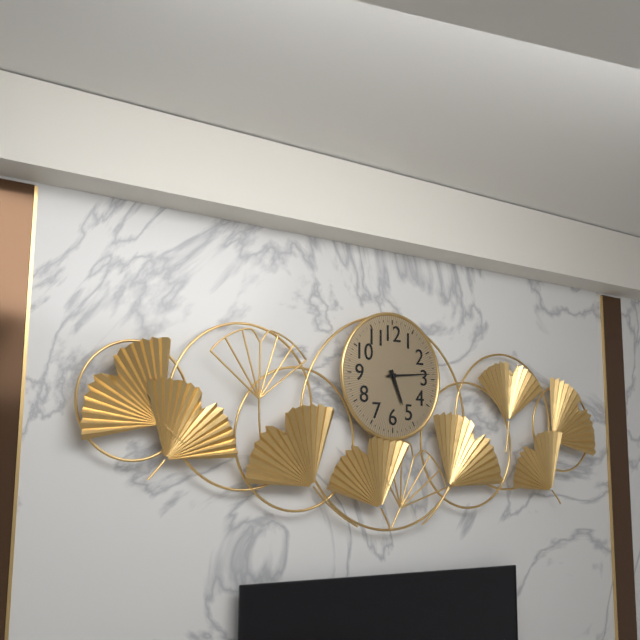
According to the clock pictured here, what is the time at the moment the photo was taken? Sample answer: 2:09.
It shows 5:14
